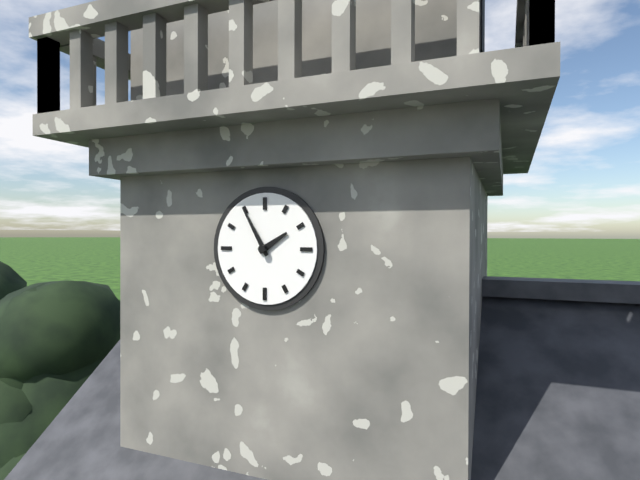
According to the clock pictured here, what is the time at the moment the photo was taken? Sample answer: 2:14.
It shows 1:55
